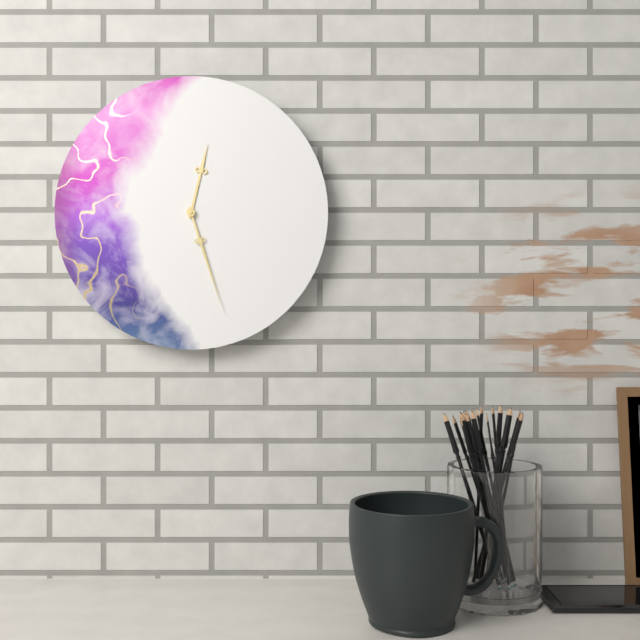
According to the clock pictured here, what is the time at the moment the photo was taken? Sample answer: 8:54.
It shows 12:27
